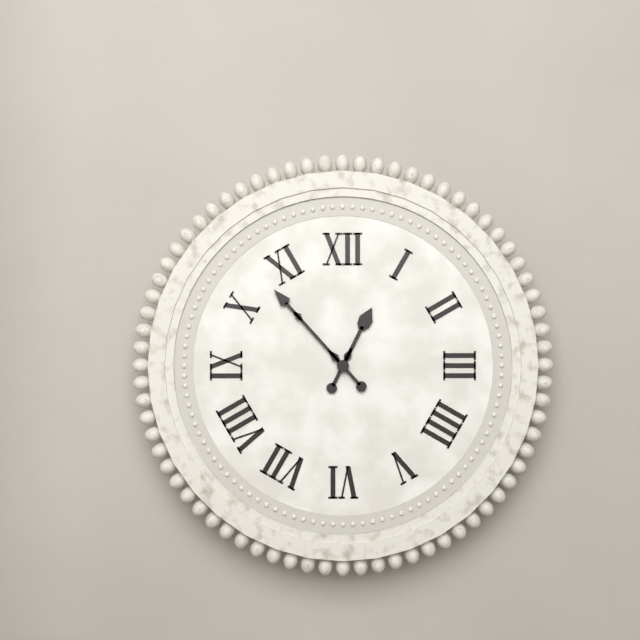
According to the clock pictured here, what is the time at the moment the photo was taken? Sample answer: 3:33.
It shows 12:53
